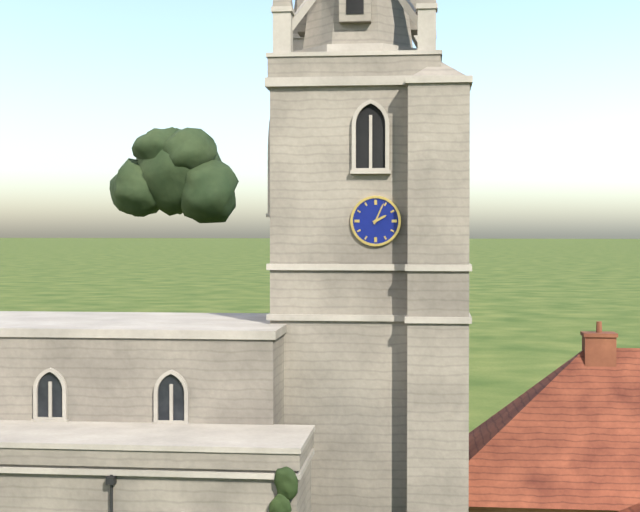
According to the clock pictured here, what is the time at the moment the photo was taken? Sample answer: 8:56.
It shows 2:04
